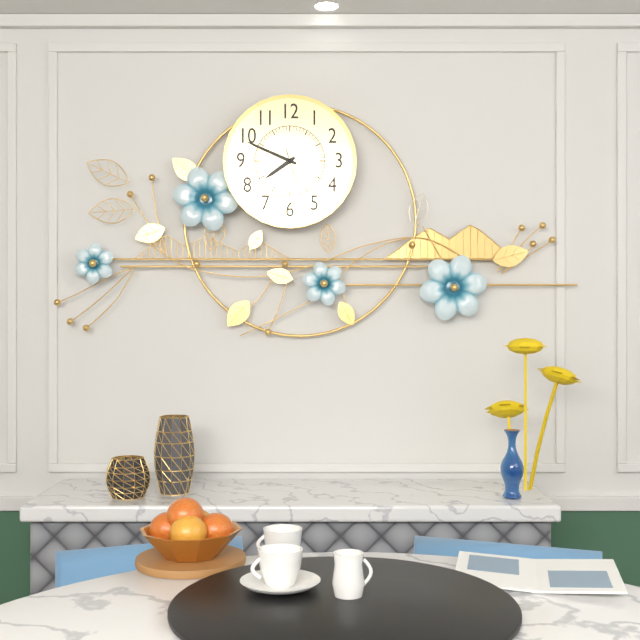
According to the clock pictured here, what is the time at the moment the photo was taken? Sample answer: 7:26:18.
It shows 7:49:27
